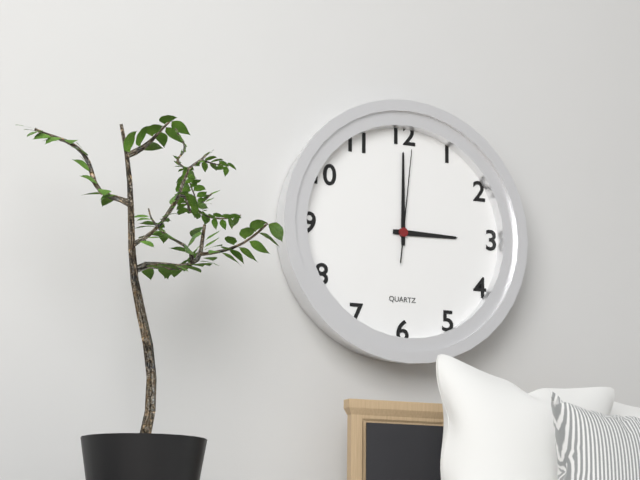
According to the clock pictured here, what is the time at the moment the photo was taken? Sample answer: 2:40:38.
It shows 3:00:01
